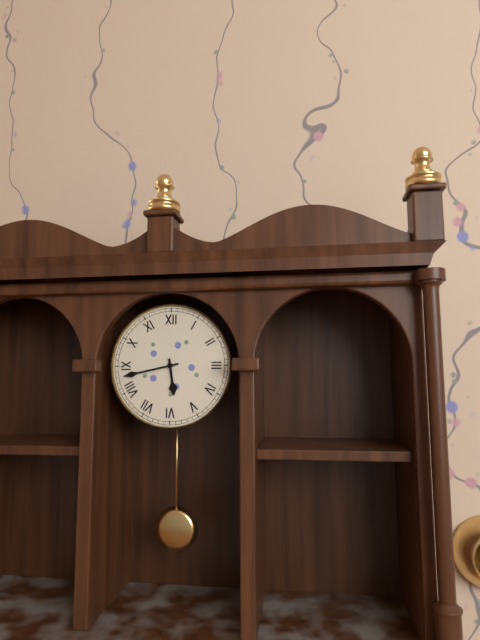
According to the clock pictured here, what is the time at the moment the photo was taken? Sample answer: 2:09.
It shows 5:43
